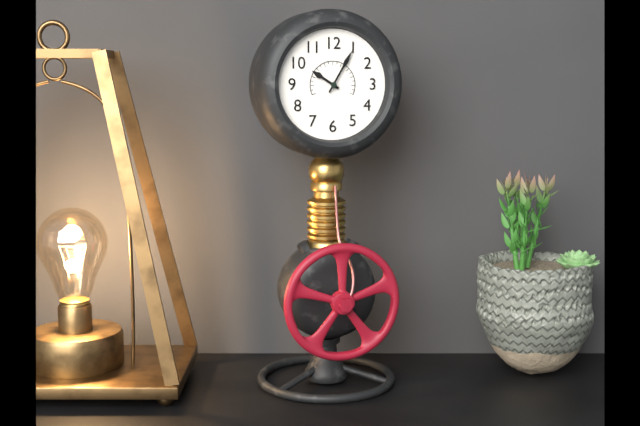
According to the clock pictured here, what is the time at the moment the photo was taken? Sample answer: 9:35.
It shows 10:05
